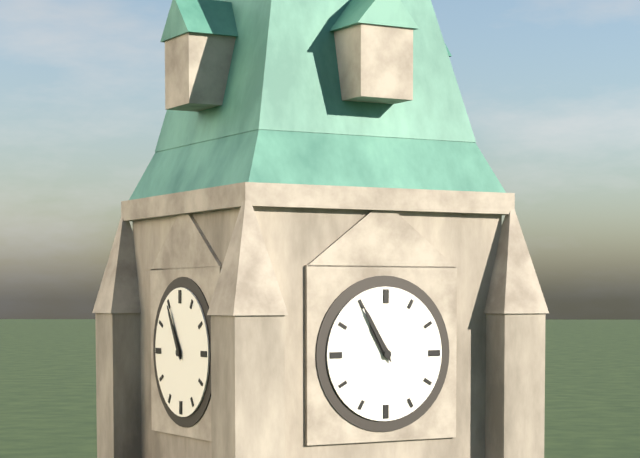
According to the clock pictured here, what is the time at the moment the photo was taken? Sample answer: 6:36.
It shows 10:55
